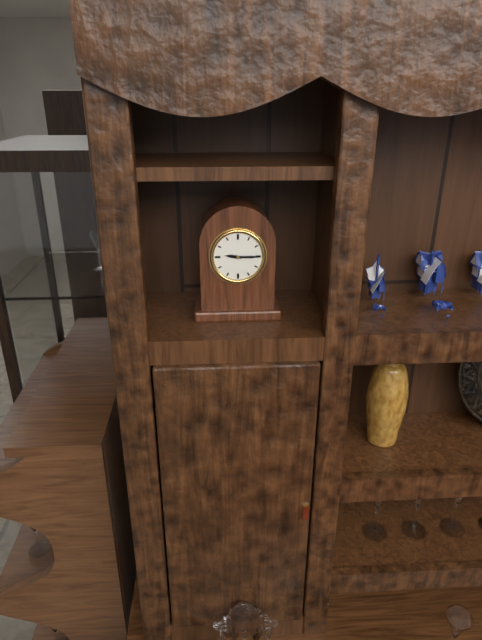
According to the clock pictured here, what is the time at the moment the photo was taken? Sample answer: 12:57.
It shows 9:15
